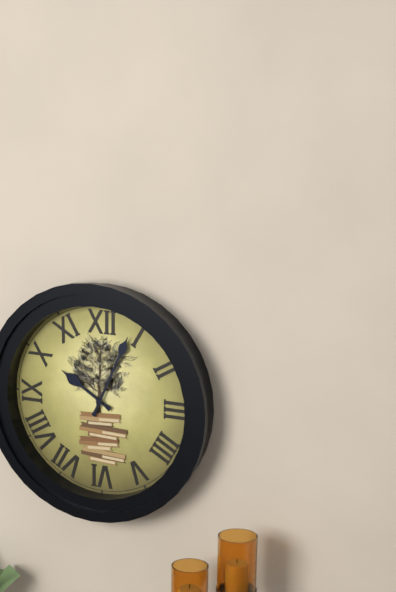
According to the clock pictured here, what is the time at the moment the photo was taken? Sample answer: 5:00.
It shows 10:04
